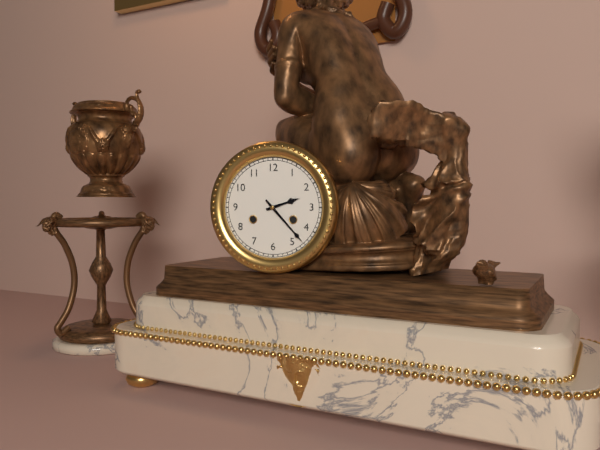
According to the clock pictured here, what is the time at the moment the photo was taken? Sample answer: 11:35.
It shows 2:23
